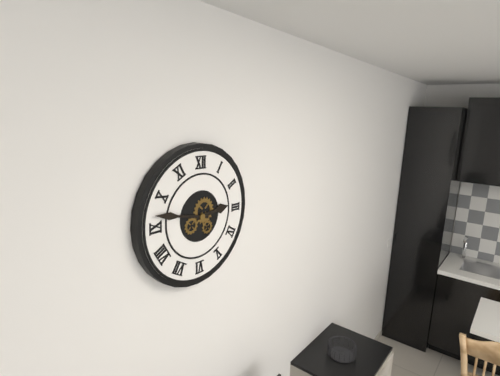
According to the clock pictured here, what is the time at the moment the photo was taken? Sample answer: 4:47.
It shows 2:47
